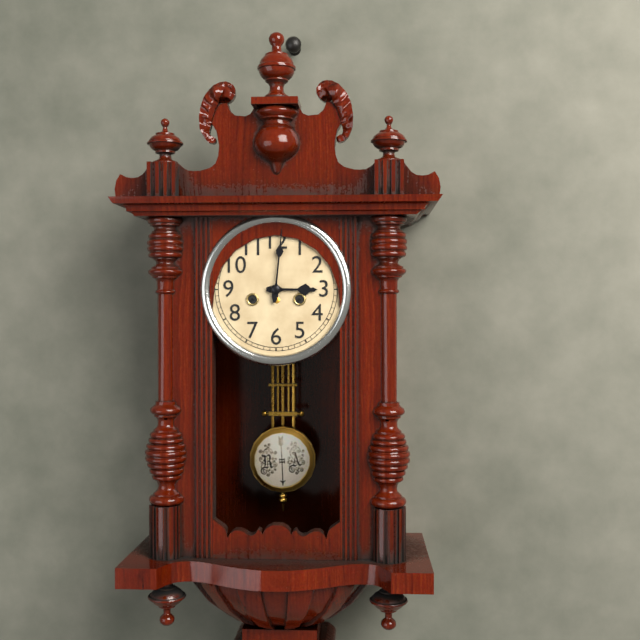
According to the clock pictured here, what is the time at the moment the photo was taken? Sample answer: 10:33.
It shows 3:01
